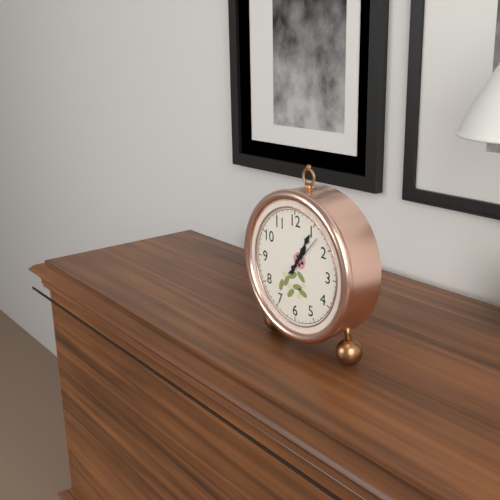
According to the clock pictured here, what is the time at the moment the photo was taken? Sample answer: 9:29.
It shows 1:05
